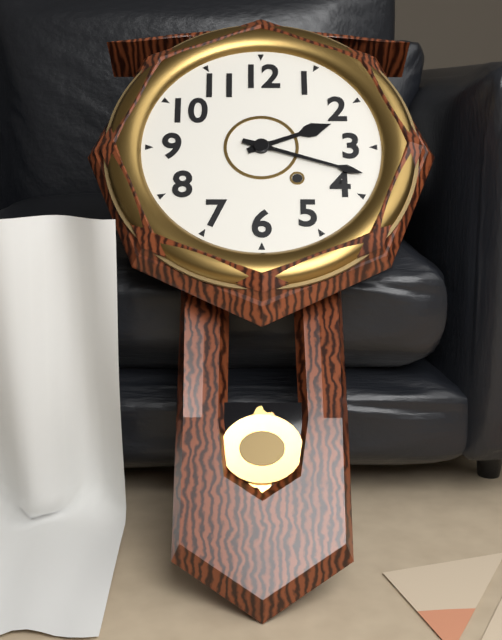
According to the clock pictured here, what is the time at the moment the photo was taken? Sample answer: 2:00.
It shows 2:18
